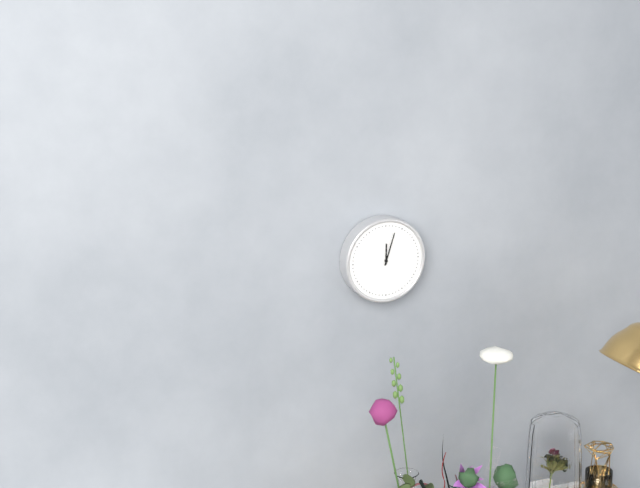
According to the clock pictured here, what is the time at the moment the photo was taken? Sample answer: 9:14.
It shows 12:03
